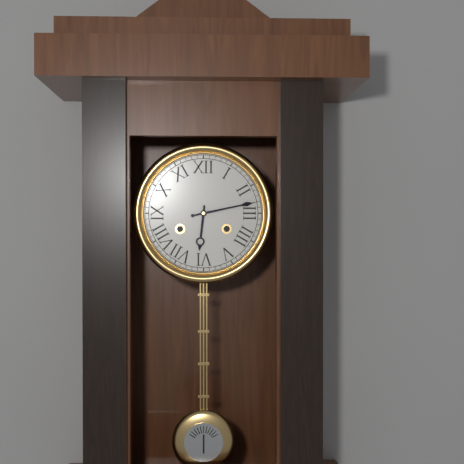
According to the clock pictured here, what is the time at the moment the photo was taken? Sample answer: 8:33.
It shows 6:13
